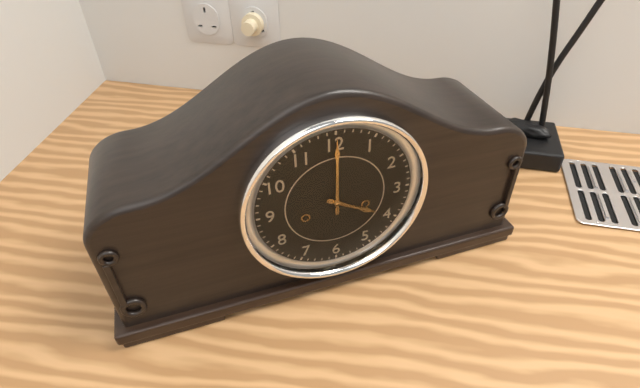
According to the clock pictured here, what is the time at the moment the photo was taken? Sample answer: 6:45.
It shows 4:00
